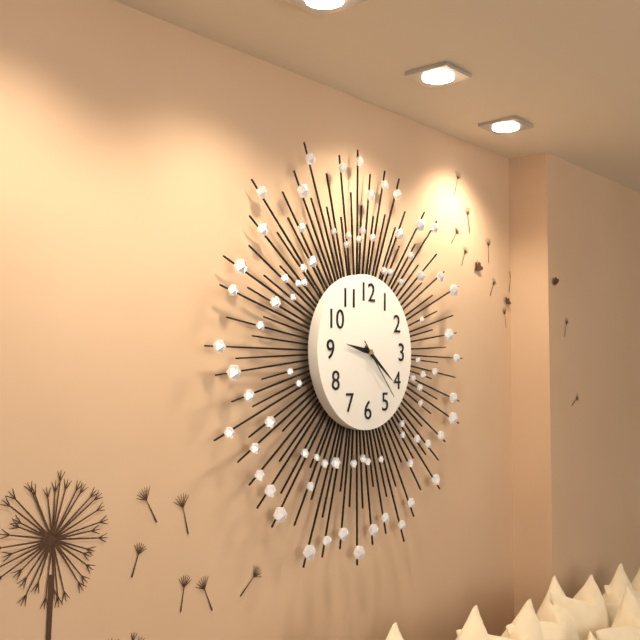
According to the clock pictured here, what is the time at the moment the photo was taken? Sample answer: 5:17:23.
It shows 9:21:23
